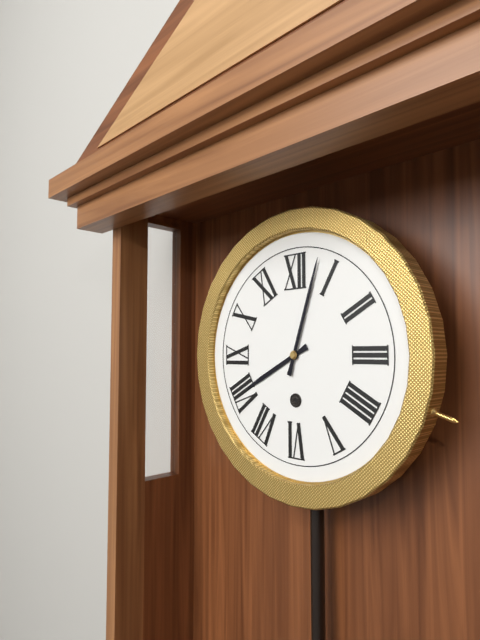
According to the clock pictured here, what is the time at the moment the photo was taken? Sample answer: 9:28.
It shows 8:03
